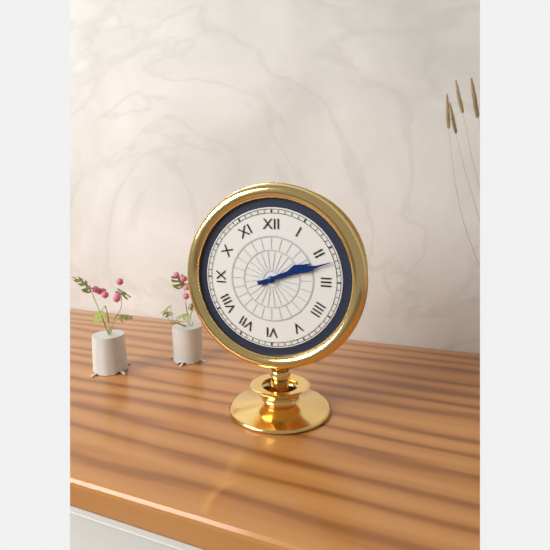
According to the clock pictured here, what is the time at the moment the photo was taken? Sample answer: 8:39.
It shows 2:12
